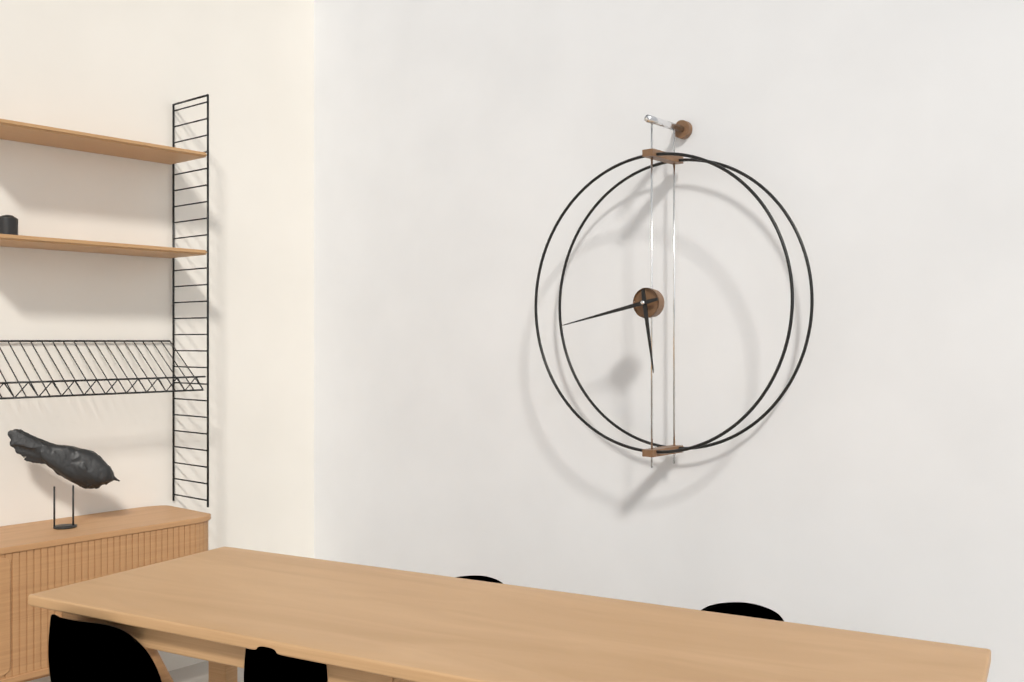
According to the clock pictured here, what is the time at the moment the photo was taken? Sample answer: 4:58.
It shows 5:43
